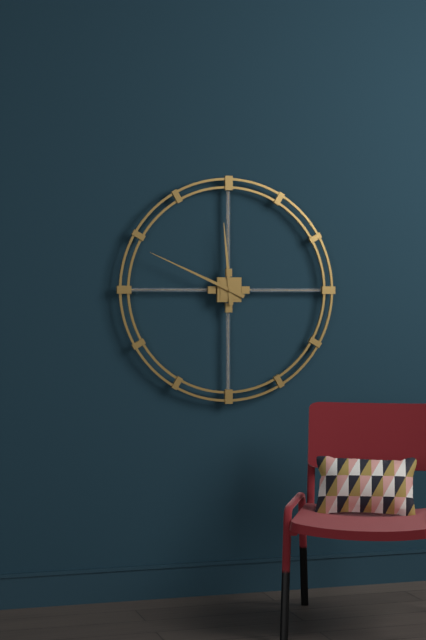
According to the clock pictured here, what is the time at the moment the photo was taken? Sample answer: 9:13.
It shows 11:49
